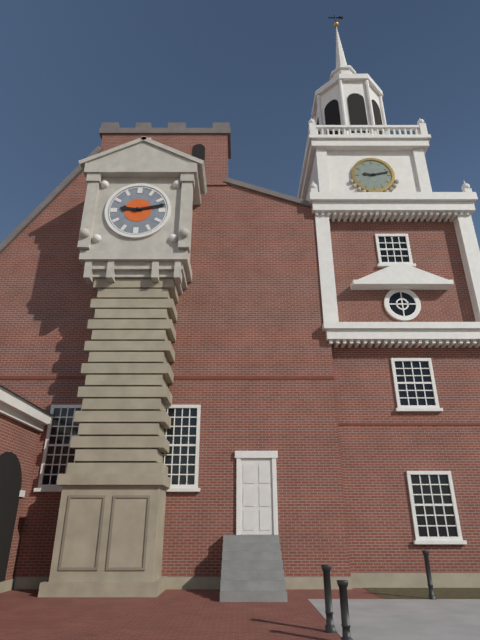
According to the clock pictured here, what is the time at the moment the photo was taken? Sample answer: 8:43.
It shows 9:13
